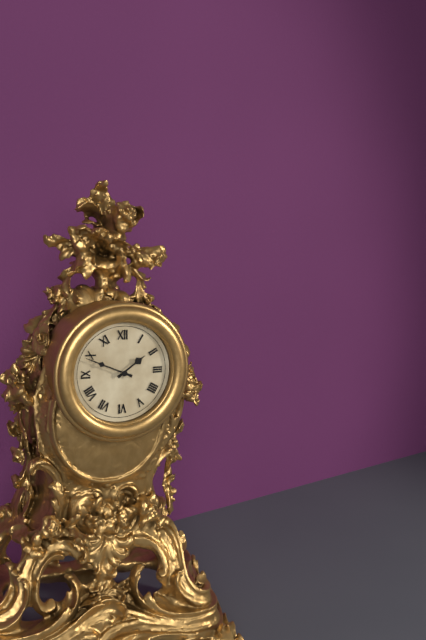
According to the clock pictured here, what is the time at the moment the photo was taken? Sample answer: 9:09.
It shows 1:49
